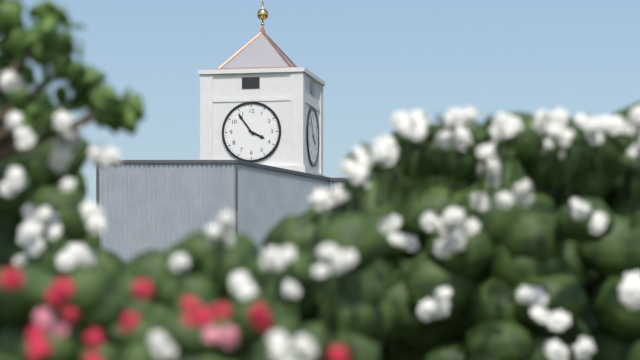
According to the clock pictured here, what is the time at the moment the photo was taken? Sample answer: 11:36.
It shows 3:54
